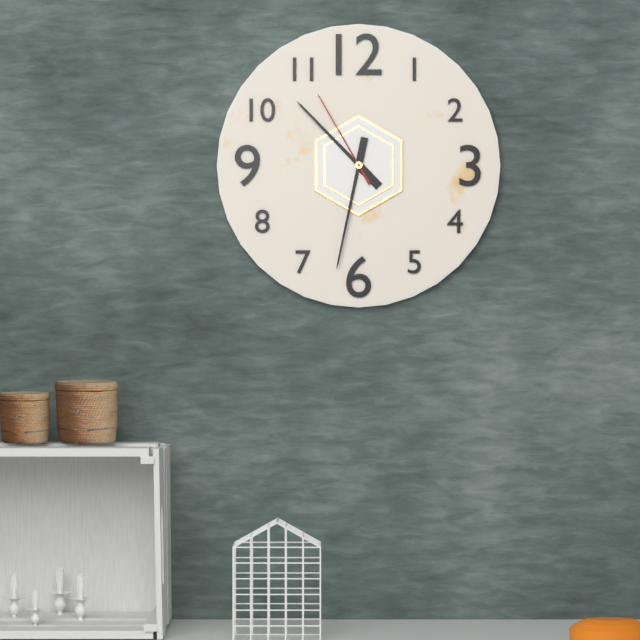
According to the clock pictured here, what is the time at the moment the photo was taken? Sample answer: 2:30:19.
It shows 10:32:55
